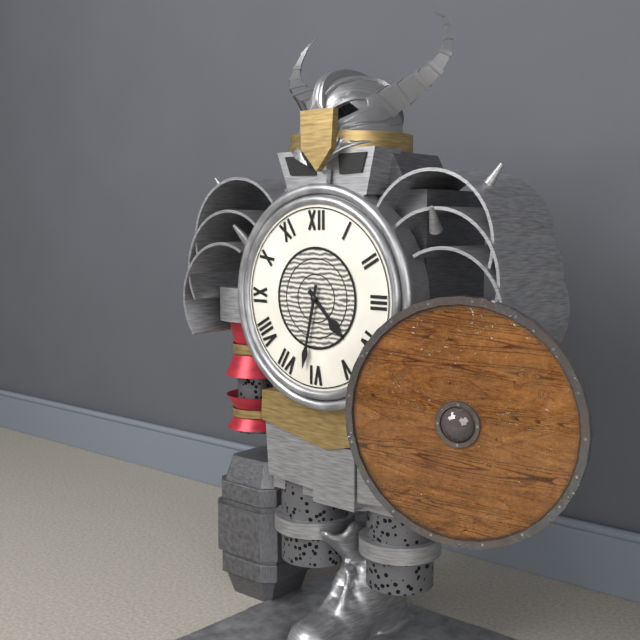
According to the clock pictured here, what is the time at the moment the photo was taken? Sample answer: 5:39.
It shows 4:32
